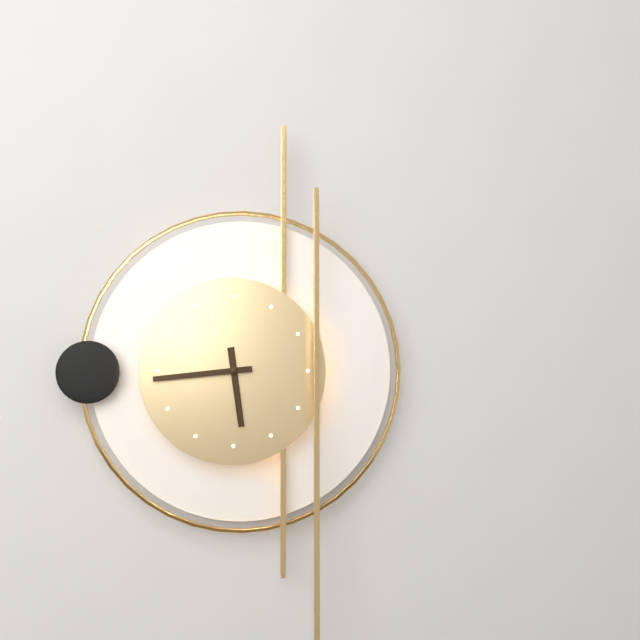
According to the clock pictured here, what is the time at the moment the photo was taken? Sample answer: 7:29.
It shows 5:44
